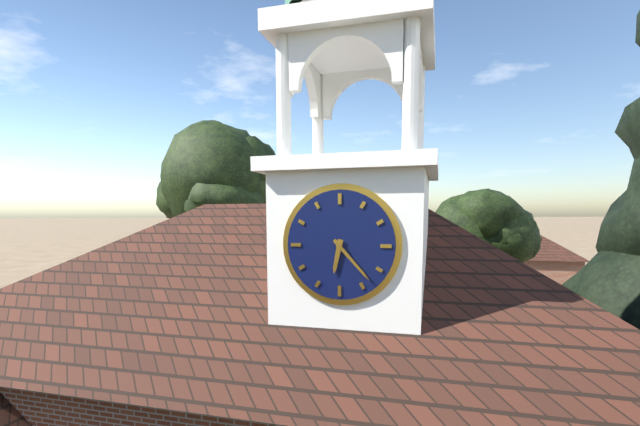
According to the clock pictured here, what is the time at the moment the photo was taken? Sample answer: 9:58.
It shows 6:23
